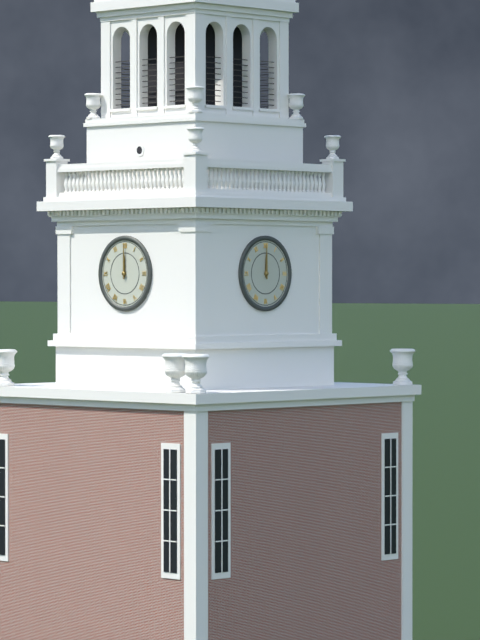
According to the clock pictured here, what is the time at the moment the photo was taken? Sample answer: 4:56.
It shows 12:00
